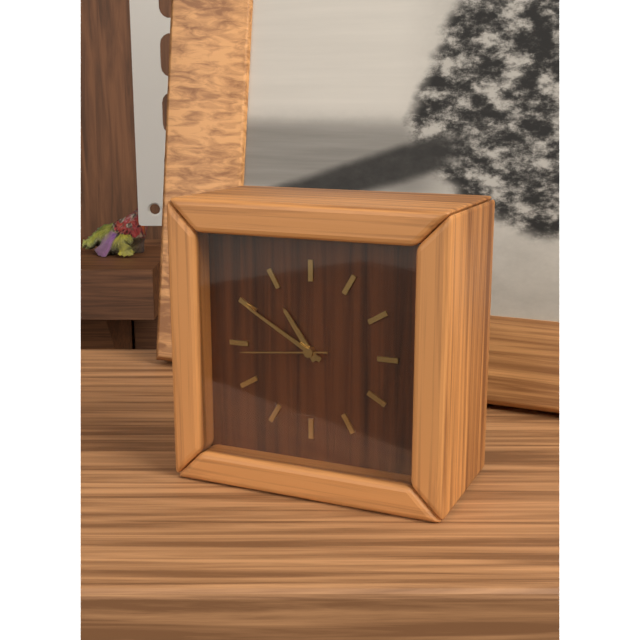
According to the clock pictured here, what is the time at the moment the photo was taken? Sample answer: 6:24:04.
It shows 10:50:44
